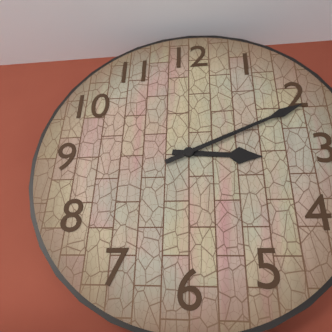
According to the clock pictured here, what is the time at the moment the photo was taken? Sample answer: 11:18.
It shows 3:11
